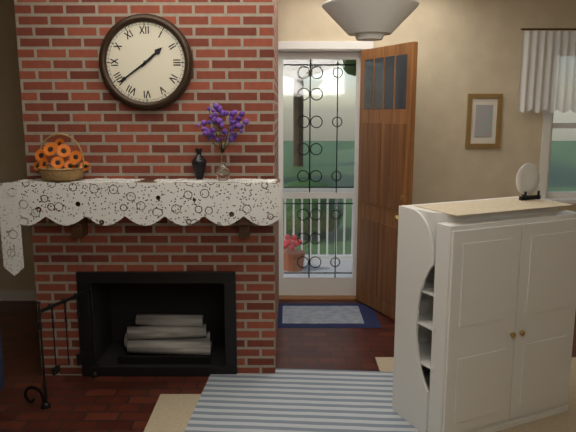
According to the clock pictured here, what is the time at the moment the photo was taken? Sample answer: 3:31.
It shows 1:39
